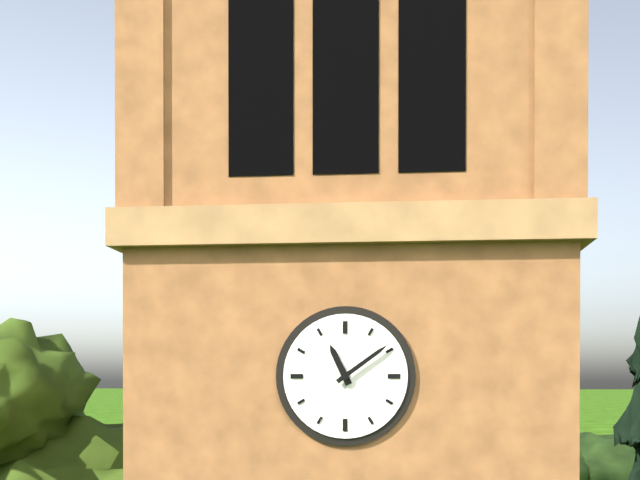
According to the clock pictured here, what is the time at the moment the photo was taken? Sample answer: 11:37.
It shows 11:09
